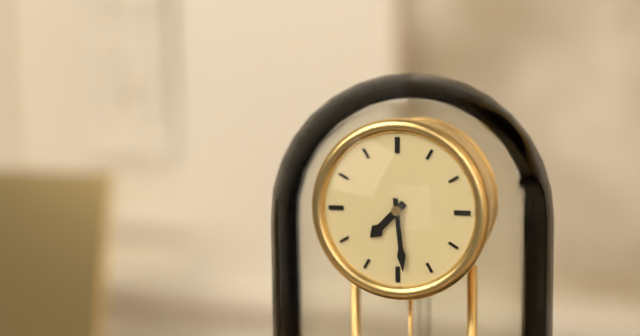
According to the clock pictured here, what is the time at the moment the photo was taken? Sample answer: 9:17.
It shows 7:29
